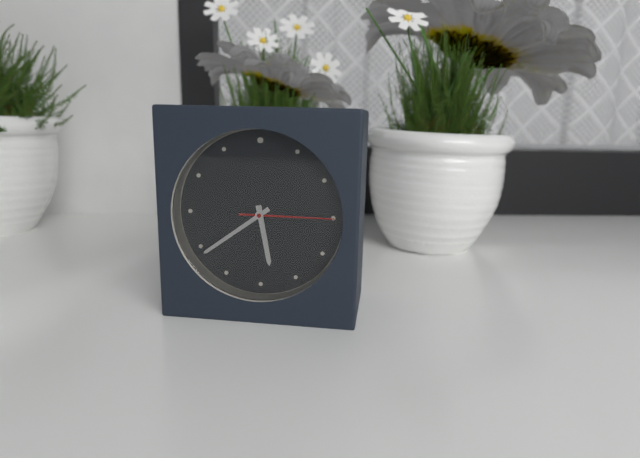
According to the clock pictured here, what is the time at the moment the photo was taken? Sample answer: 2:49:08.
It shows 5:39:15
